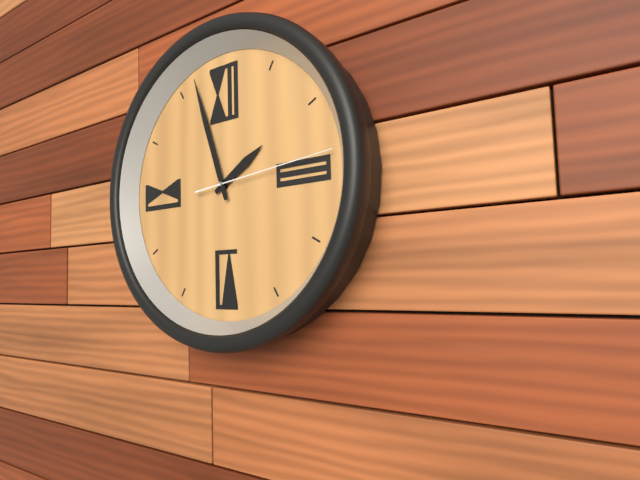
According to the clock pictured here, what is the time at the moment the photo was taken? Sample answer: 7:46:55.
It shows 1:57:14
